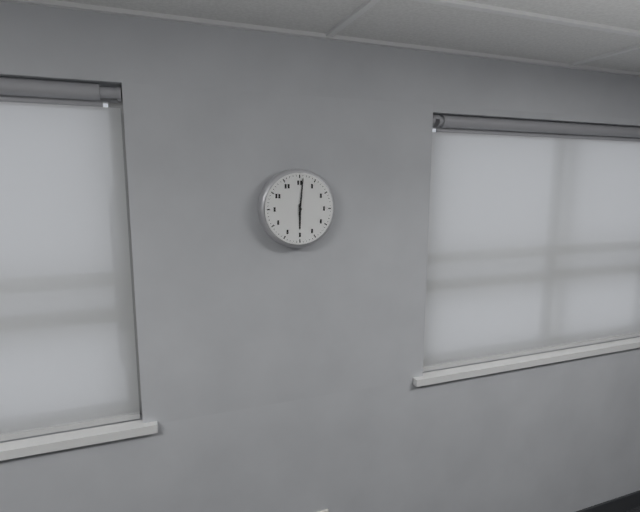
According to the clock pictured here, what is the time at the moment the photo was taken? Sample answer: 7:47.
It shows 6:01
